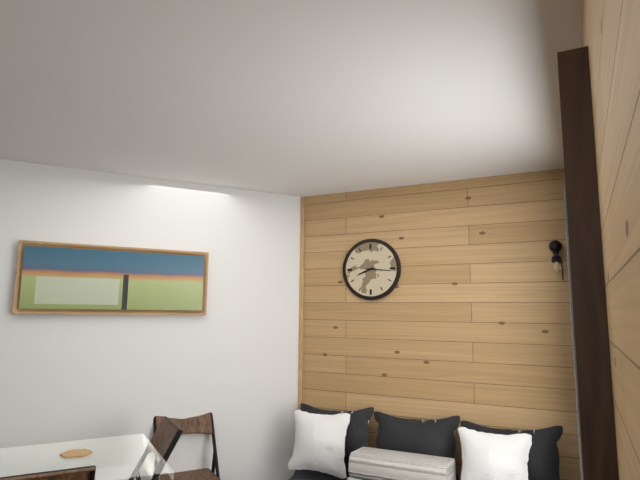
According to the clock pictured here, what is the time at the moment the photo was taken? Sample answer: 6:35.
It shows 8:16
